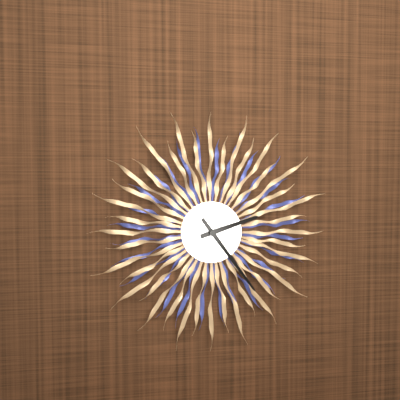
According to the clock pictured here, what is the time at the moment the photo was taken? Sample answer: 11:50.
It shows 2:24
